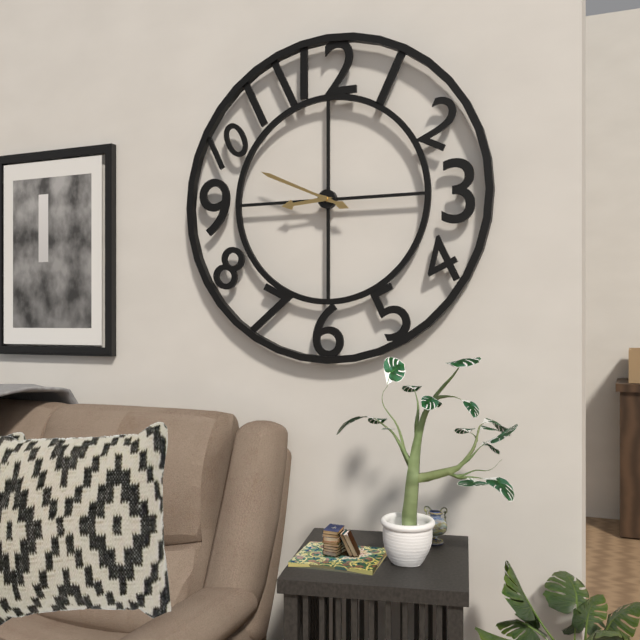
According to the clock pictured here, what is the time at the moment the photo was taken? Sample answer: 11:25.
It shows 8:49
